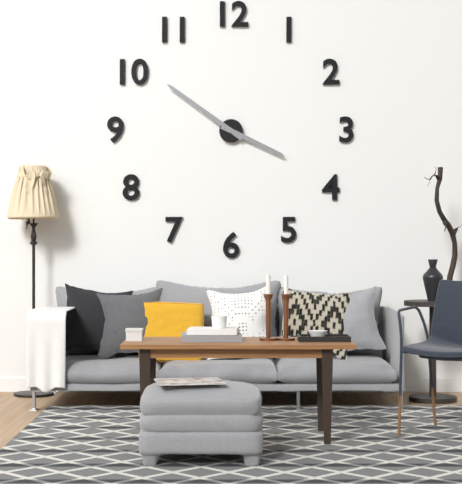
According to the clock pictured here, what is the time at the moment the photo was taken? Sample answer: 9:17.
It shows 3:51
